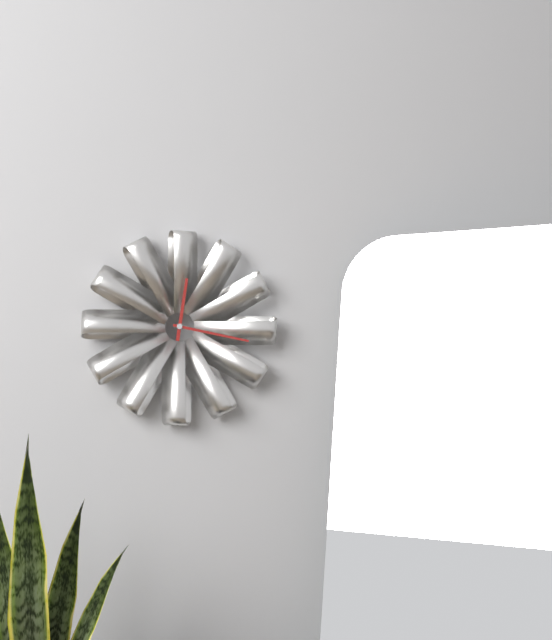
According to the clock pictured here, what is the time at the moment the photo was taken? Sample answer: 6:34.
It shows 12:17
